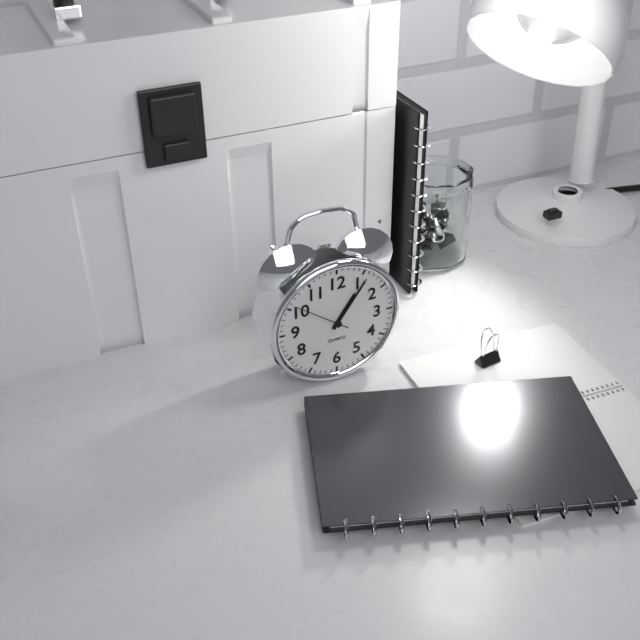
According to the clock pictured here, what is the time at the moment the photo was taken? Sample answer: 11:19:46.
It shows 1:06:51
